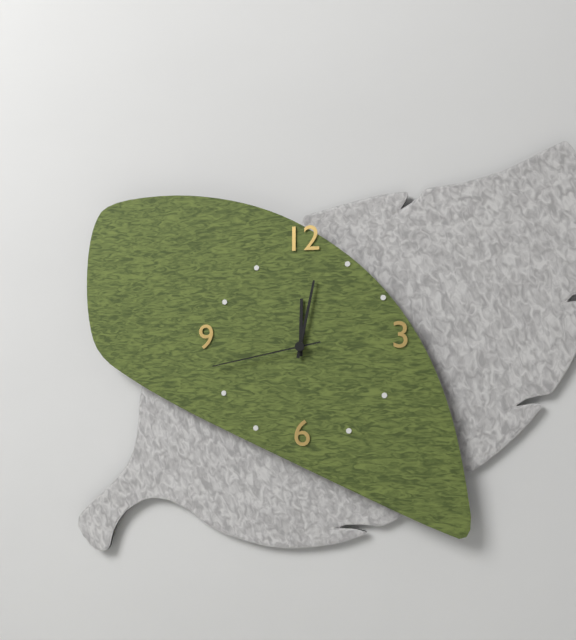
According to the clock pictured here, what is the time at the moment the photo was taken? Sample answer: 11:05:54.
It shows 12:02:43
